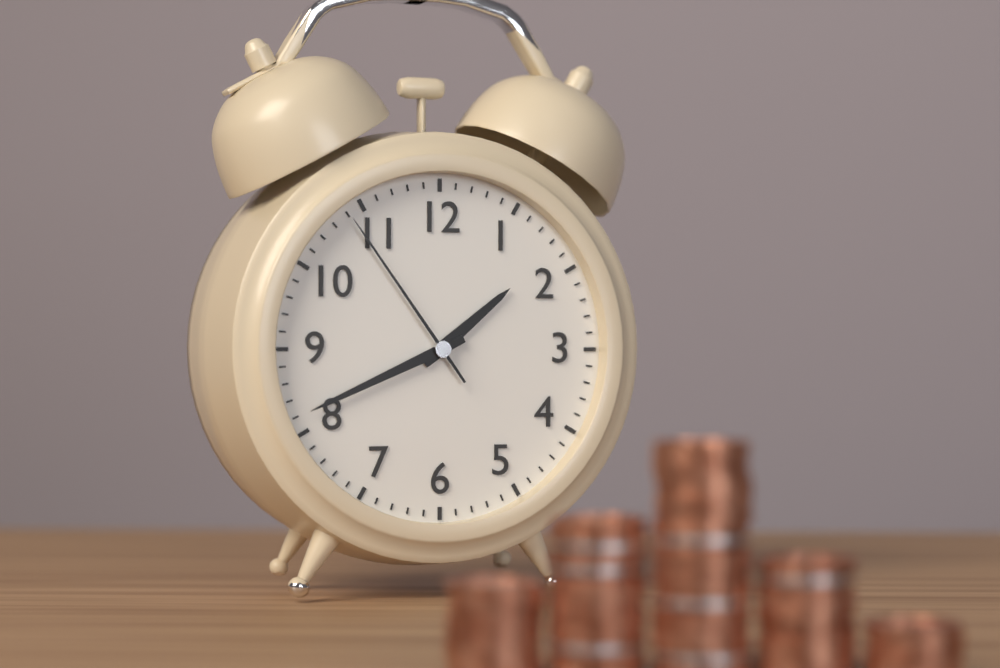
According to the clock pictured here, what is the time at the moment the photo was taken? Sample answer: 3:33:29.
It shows 1:41:54
